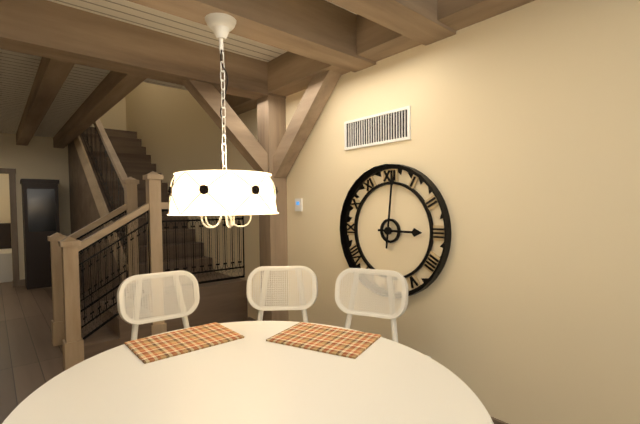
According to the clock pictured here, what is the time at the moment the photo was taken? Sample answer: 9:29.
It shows 3:01
